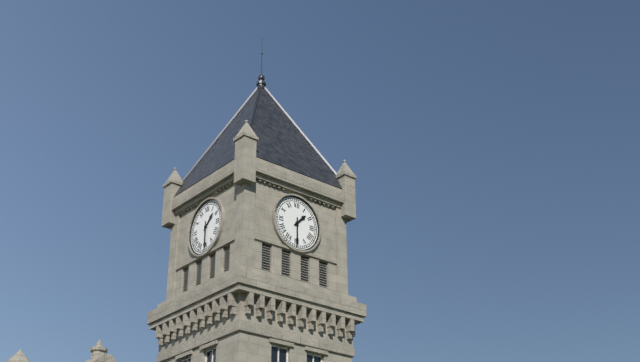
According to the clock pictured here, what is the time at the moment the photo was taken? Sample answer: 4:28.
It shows 1:30
